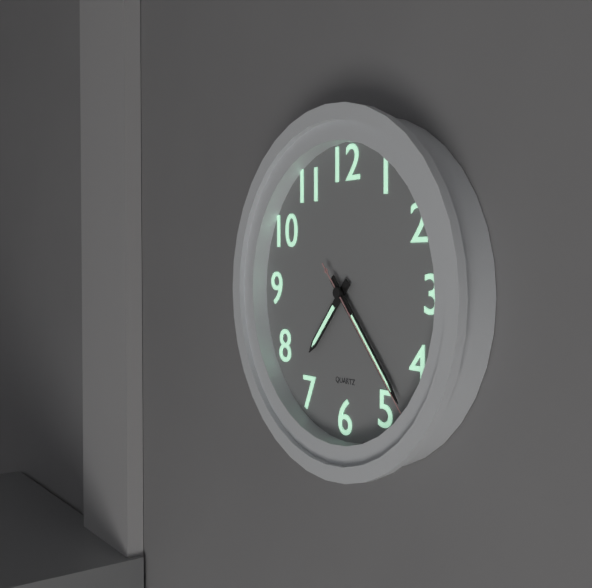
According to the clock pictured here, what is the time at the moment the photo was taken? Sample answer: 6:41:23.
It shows 7:23:23
